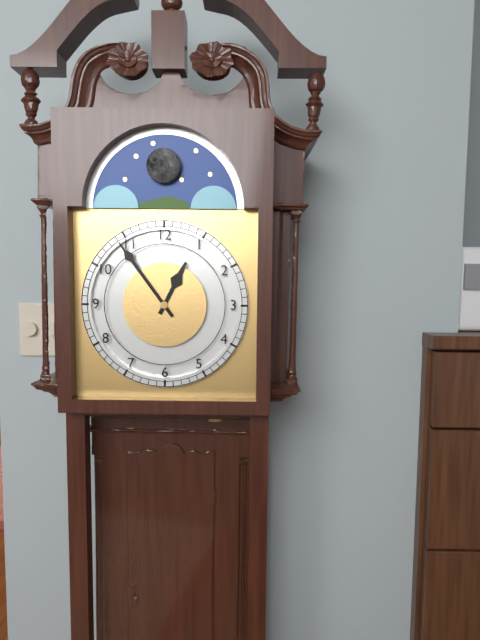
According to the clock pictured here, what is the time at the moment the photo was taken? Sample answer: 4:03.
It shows 12:54
